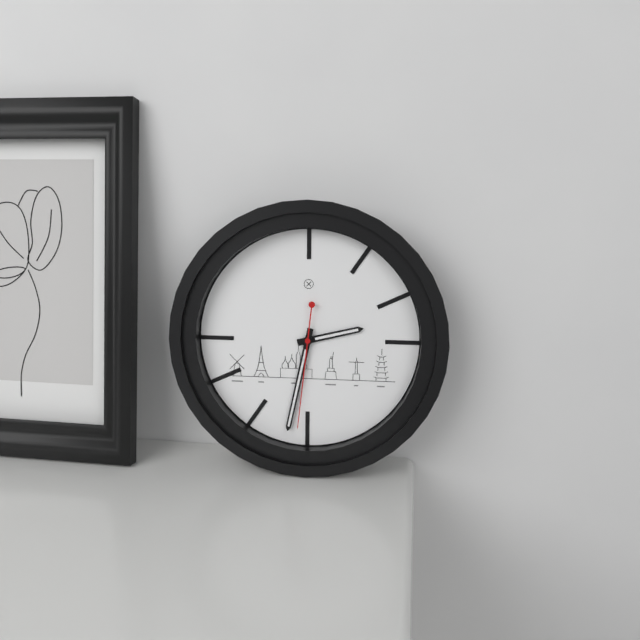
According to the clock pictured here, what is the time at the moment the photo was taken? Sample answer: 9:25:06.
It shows 2:32:31
